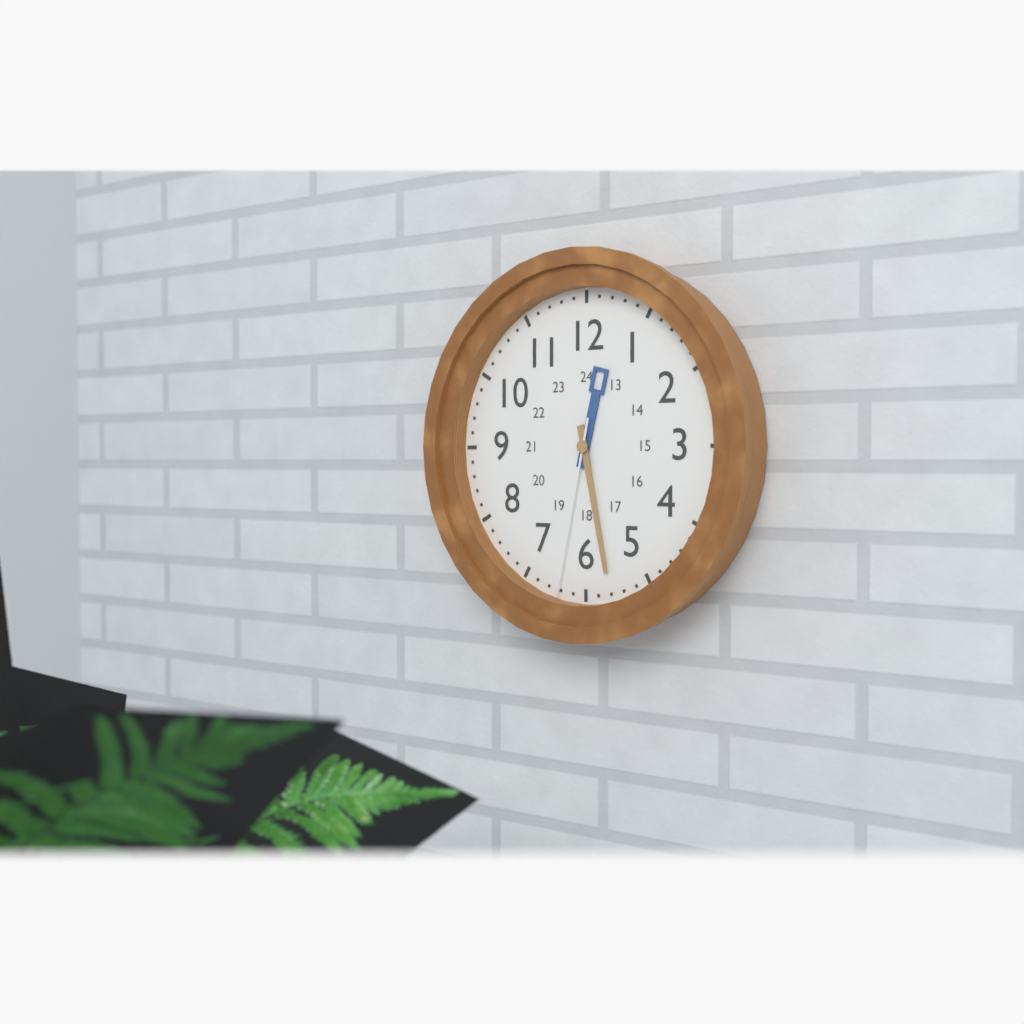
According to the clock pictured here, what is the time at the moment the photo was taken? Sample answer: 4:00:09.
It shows 12:28:32
